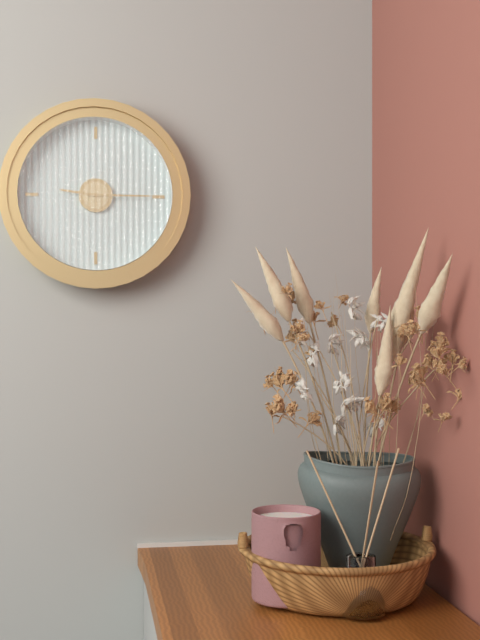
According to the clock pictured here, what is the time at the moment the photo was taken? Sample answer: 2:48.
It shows 9:15
